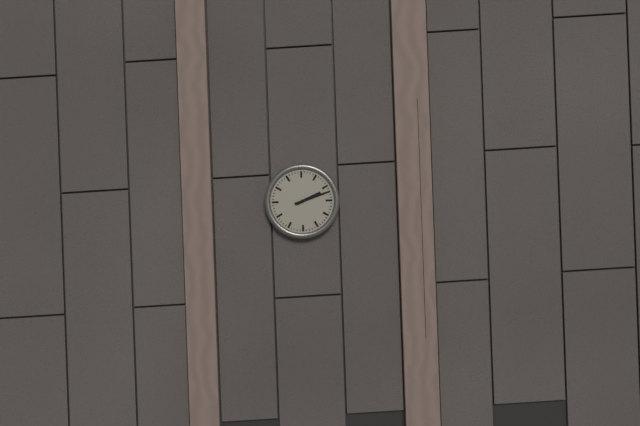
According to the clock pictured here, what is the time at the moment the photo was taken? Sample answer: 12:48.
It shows 2:12
